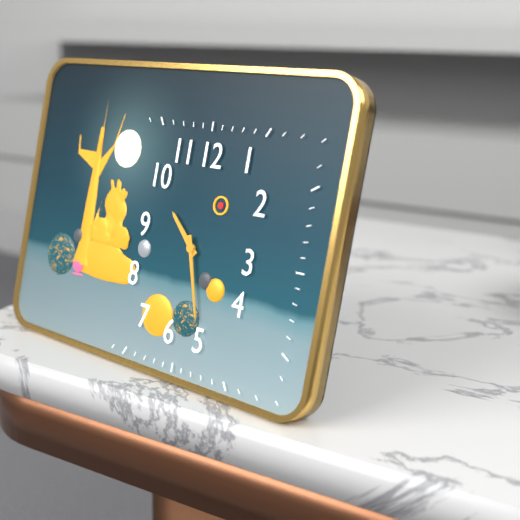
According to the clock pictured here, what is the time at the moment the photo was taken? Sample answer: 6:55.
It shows 10:27
